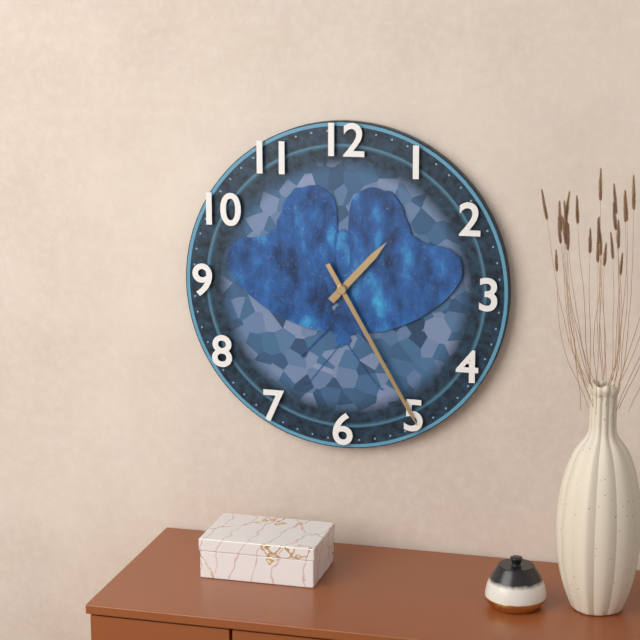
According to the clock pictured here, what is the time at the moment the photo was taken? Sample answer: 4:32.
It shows 1:25
